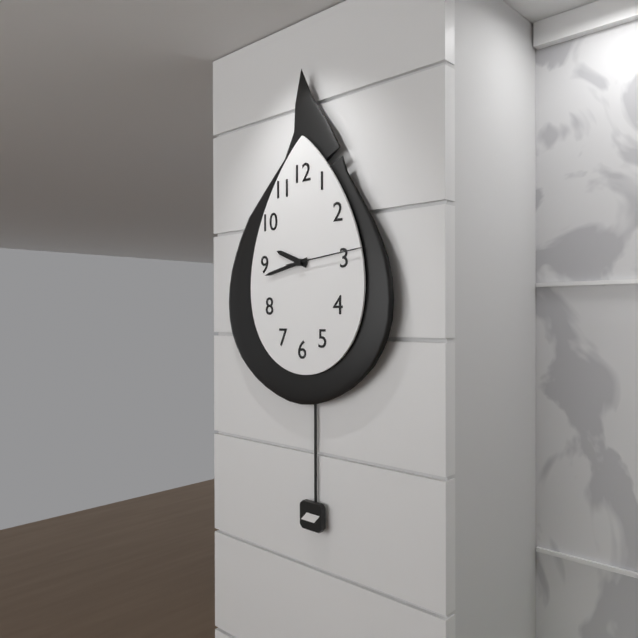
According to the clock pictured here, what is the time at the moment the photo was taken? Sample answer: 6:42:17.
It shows 9:43:14
